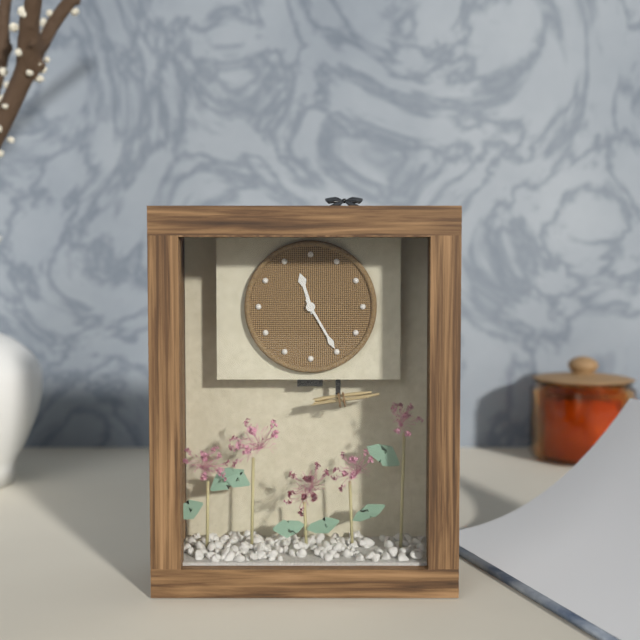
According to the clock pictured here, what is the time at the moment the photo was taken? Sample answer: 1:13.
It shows 11:25
